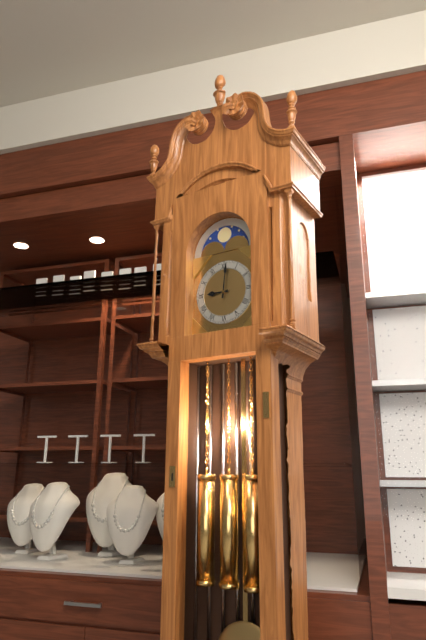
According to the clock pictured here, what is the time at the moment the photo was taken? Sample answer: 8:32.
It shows 9:01
